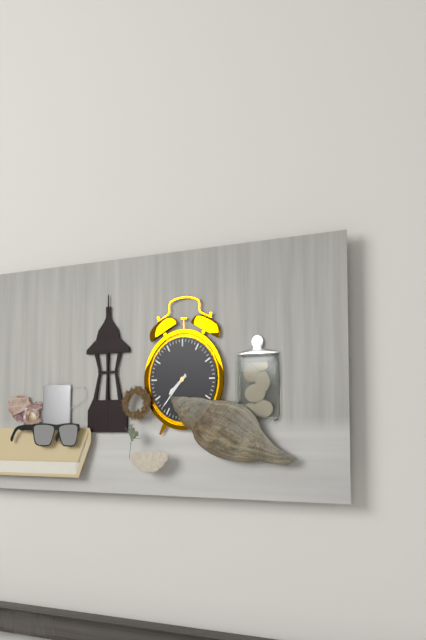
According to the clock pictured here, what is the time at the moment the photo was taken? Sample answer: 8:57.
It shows 7:37
